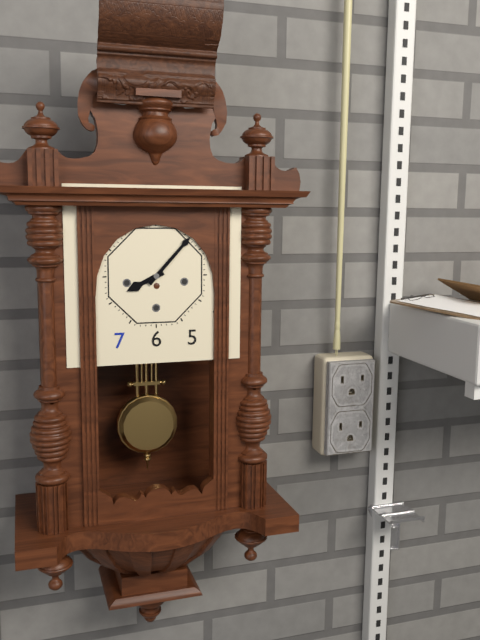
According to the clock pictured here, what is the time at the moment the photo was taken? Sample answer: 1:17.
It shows 8:07
